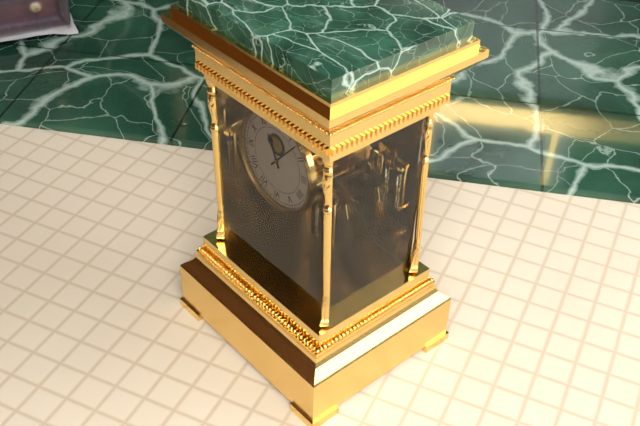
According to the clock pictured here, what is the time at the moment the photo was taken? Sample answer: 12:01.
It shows 11:07
